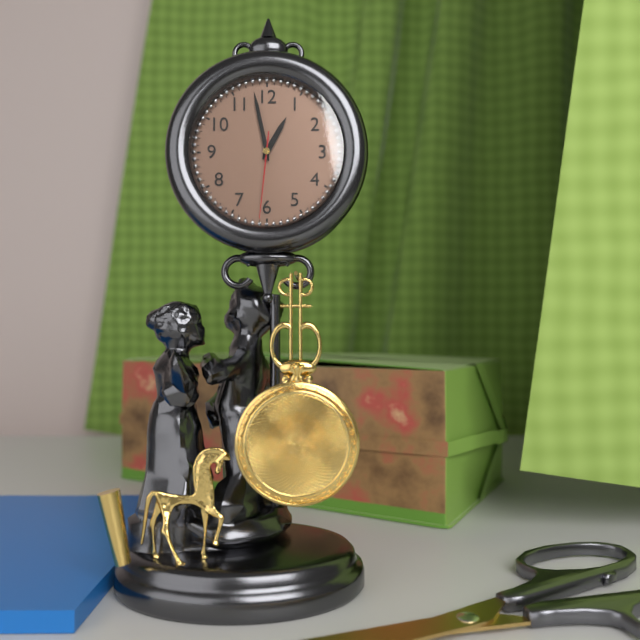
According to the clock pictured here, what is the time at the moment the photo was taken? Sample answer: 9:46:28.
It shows 12:58:31
